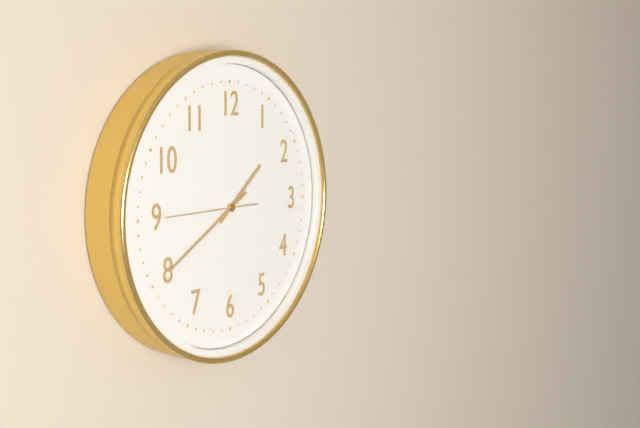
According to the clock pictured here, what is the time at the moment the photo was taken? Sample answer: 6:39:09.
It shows 1:40:45
